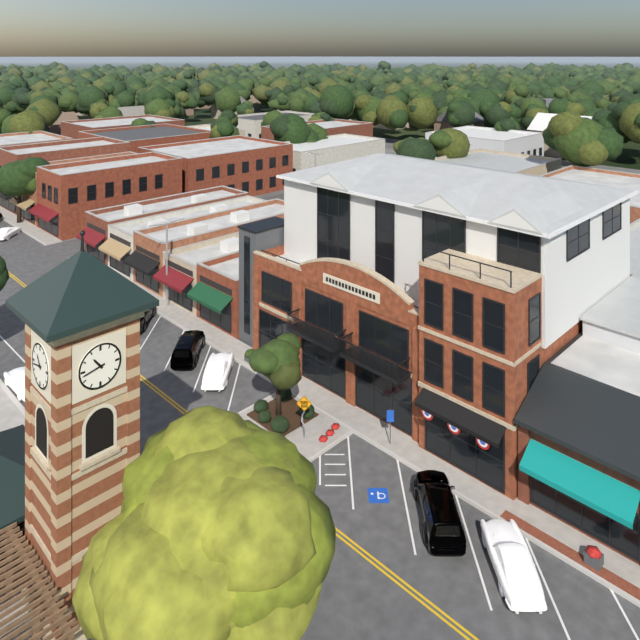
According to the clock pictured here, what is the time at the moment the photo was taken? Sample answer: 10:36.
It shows 10:43
